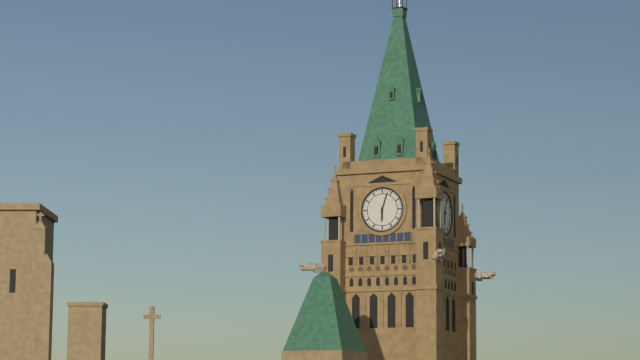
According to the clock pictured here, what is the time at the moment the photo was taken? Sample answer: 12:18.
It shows 6:03
